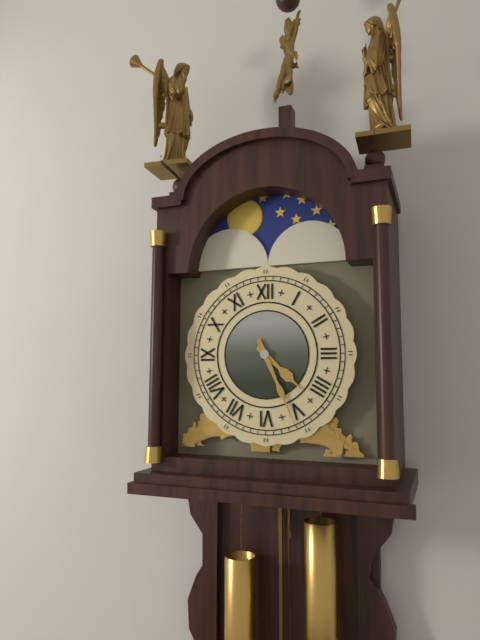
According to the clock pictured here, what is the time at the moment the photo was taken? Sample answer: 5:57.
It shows 4:26
